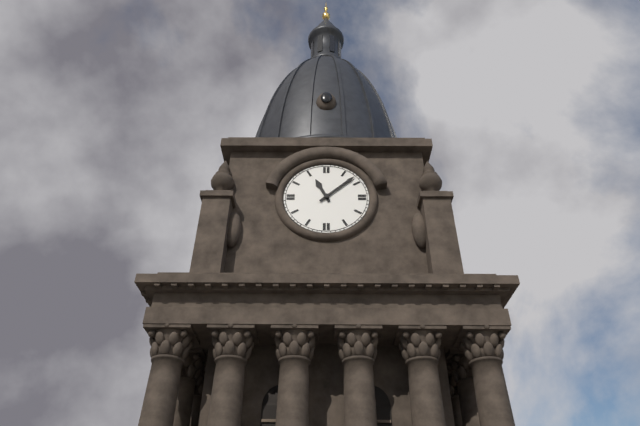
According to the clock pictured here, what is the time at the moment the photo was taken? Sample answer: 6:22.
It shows 11:08
